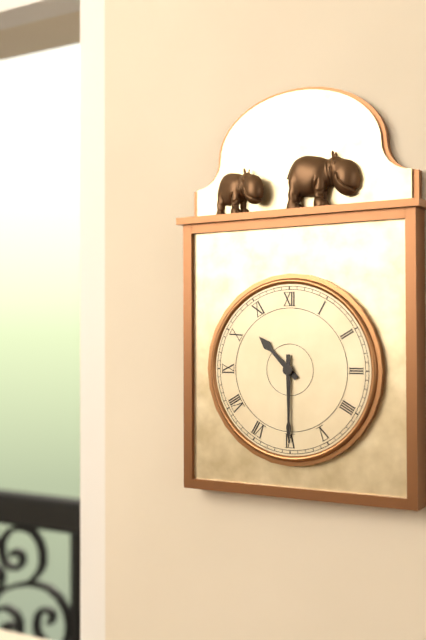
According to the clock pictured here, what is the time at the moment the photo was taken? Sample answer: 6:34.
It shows 10:30
